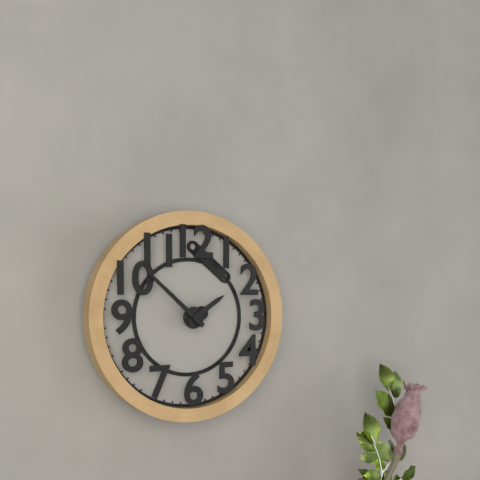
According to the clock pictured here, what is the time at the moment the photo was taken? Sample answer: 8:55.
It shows 1:52
